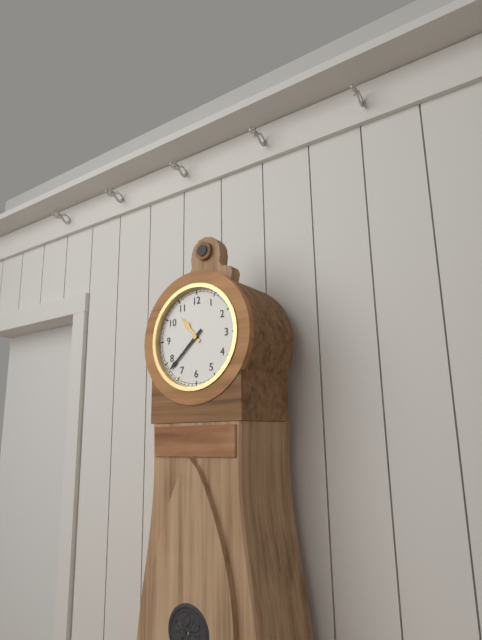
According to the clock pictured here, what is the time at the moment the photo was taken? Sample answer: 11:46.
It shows 10:38
